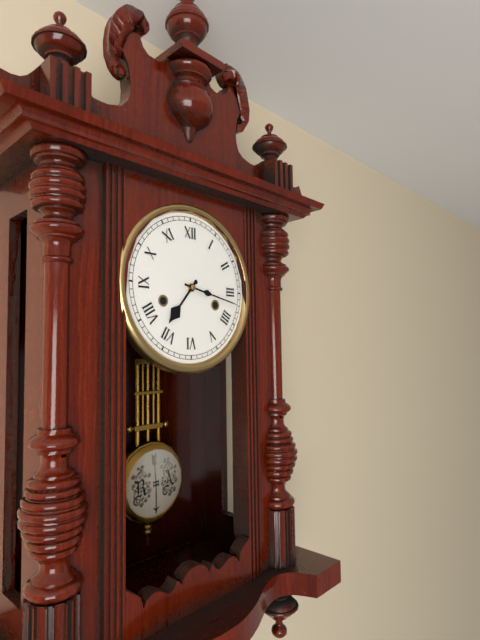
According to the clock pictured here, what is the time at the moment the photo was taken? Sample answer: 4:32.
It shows 7:17
